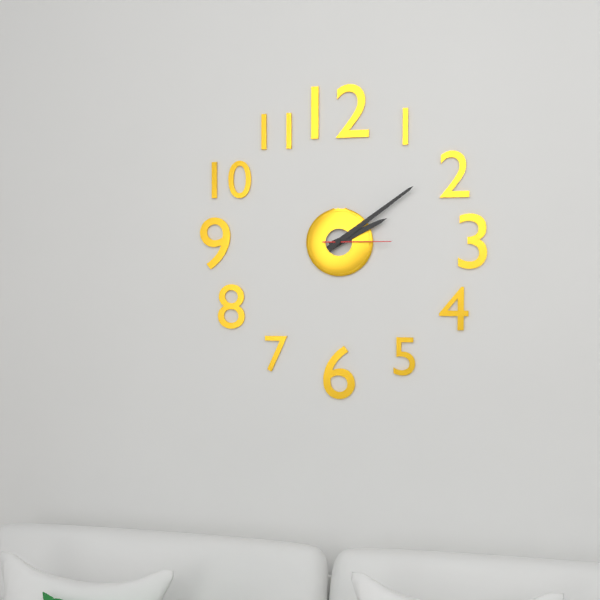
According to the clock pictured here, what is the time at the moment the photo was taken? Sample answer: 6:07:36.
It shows 2:09:15
